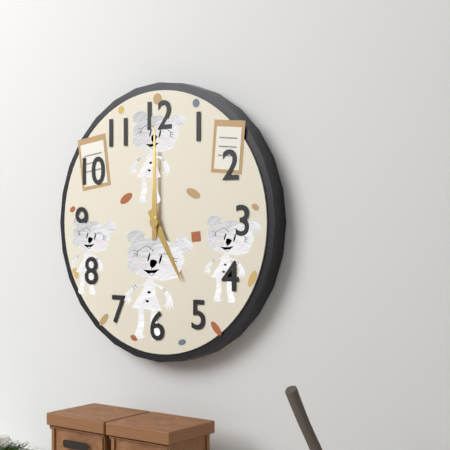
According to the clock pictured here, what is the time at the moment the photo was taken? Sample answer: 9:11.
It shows 5:00
